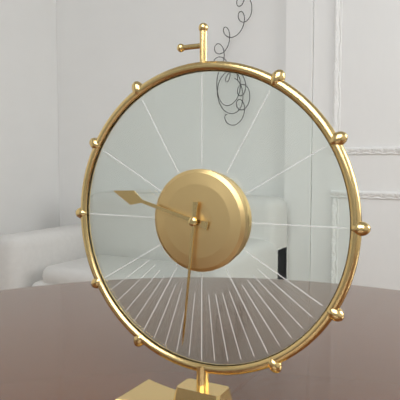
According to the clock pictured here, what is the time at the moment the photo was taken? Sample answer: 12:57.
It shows 9:31
